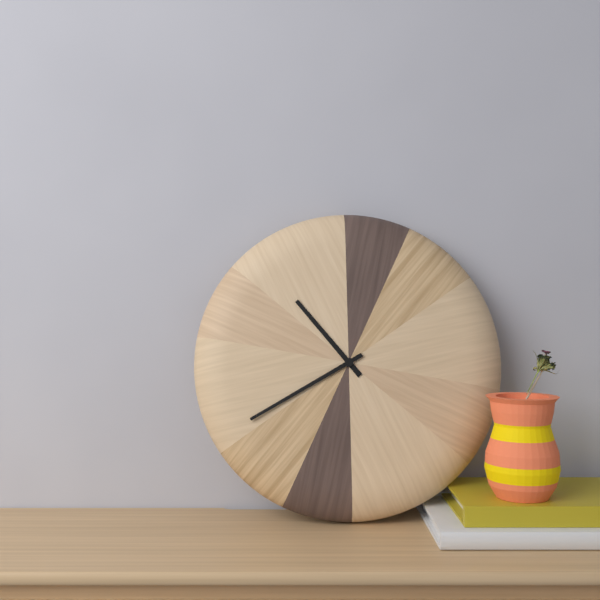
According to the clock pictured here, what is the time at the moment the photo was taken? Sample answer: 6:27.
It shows 10:40
